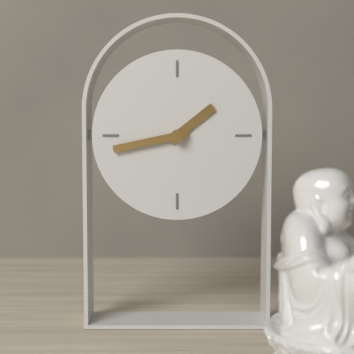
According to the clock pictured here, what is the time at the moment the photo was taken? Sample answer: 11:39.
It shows 1:43
